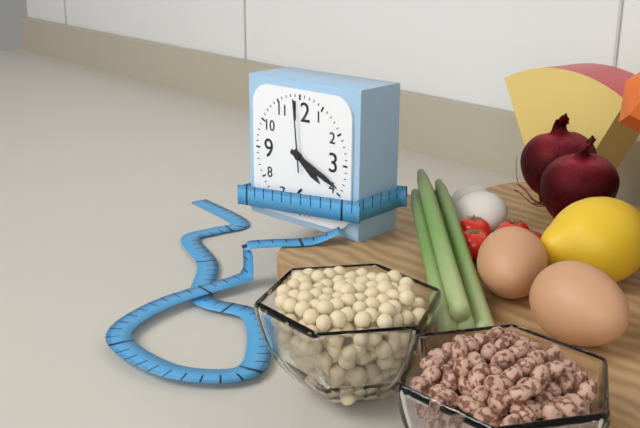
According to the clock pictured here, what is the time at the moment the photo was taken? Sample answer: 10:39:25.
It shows 4:19:59
